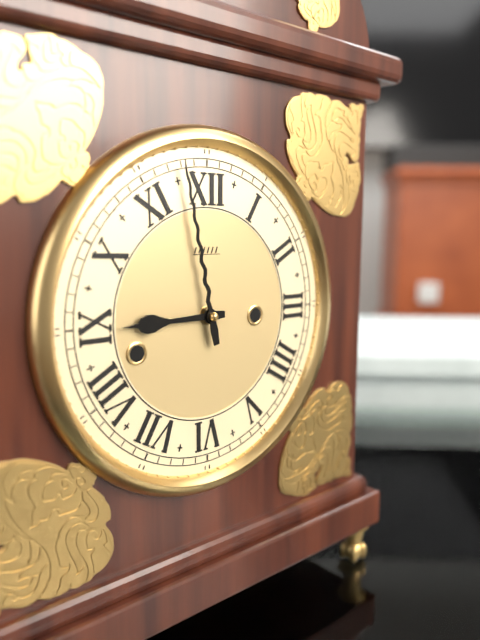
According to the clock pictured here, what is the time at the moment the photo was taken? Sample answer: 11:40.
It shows 8:58
